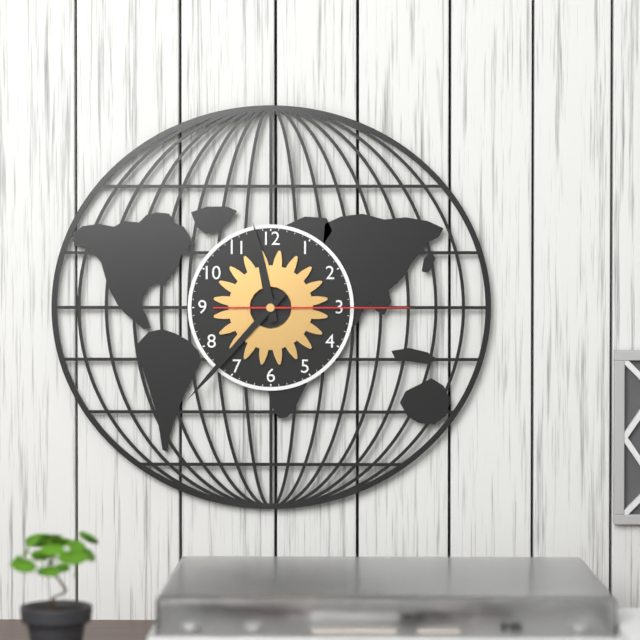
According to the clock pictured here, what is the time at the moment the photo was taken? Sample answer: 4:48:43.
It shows 11:37:15
